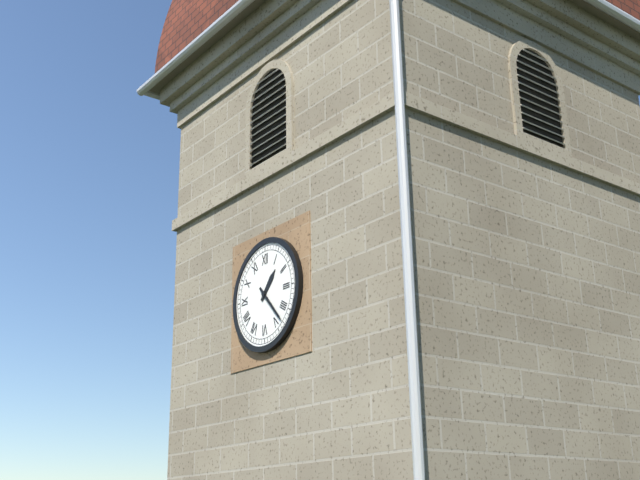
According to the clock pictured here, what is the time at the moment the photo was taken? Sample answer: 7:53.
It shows 1:23
